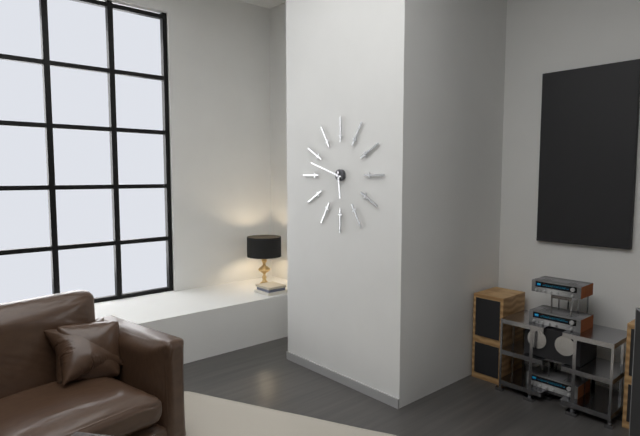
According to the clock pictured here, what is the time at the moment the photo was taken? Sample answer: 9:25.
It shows 5:48
